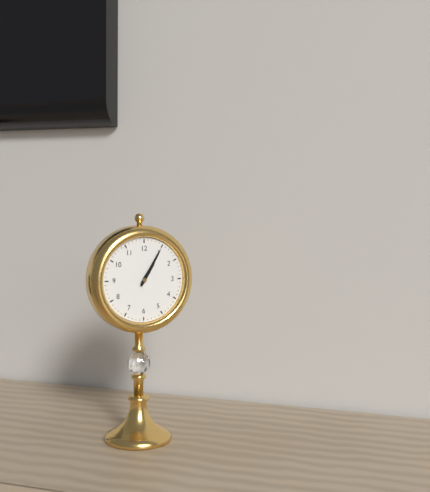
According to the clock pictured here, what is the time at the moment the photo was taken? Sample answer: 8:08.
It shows 1:05
